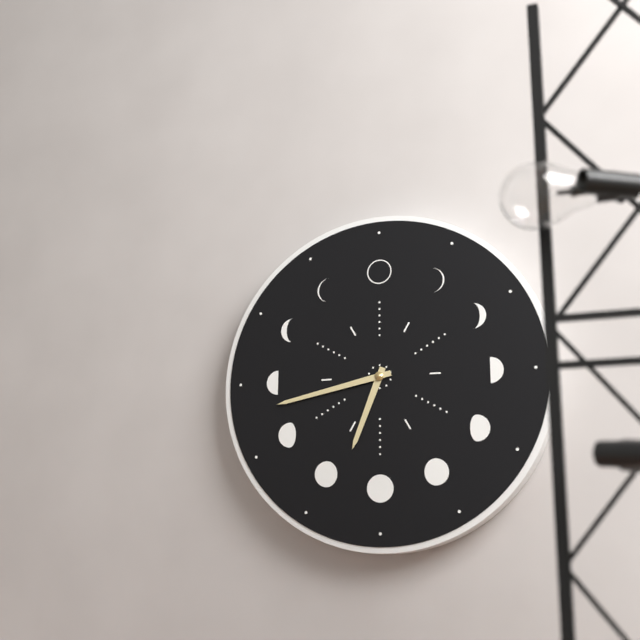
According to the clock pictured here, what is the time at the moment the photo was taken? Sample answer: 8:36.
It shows 6:43
